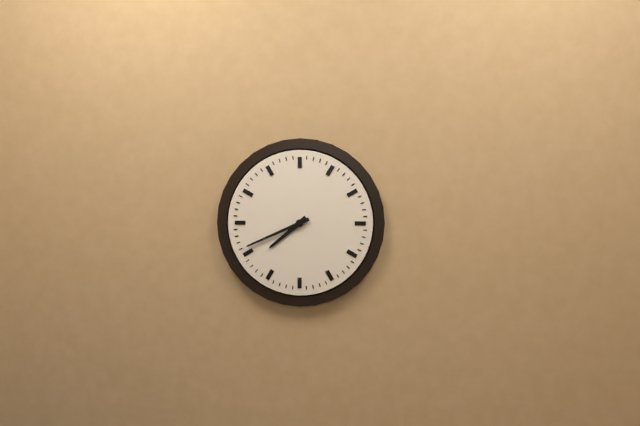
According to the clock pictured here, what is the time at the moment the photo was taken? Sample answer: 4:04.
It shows 7:41
